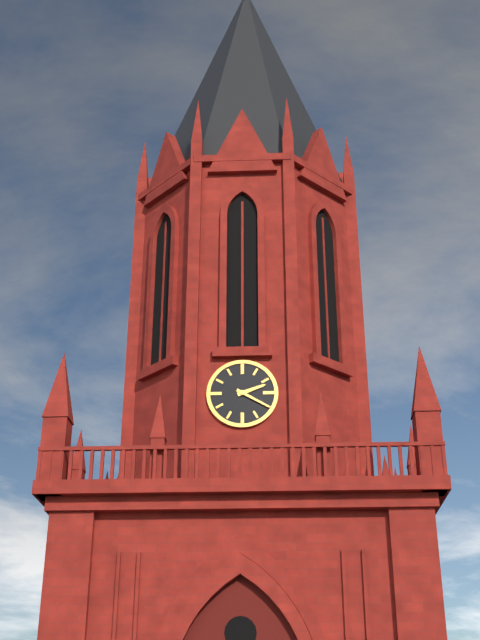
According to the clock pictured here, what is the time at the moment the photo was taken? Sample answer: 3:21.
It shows 2:20
